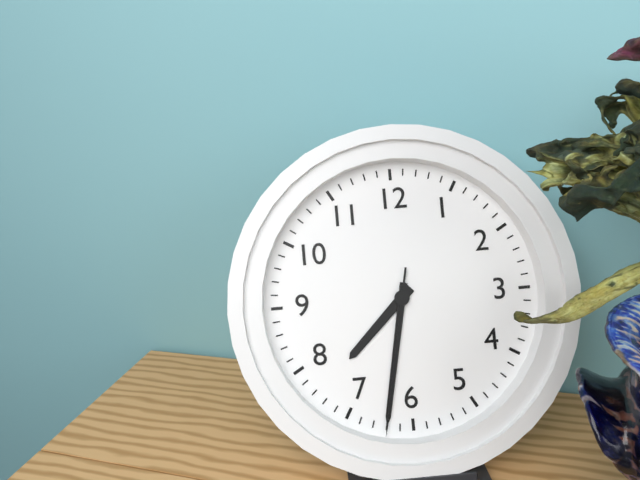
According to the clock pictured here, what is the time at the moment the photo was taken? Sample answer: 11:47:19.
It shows 7:32:32
